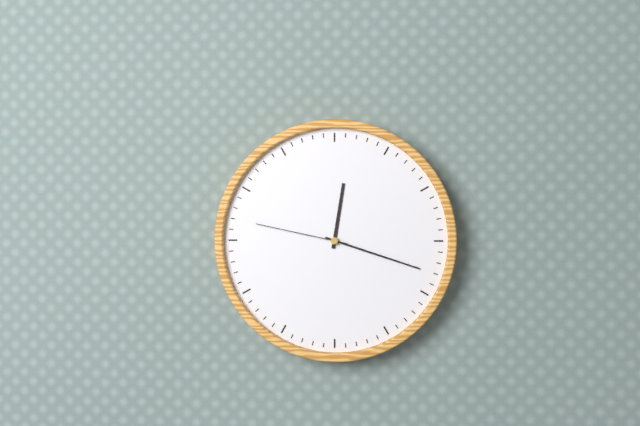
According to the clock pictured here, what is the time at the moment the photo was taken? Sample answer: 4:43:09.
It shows 12:18:47
